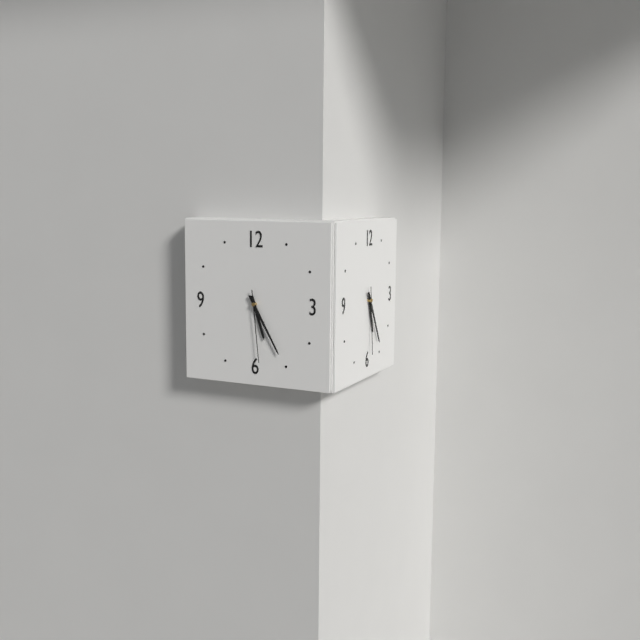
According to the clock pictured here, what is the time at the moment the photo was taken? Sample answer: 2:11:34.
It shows 5:25:29
